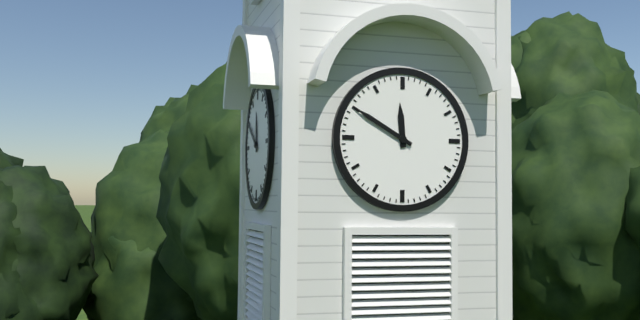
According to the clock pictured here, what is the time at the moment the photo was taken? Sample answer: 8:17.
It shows 11:50
